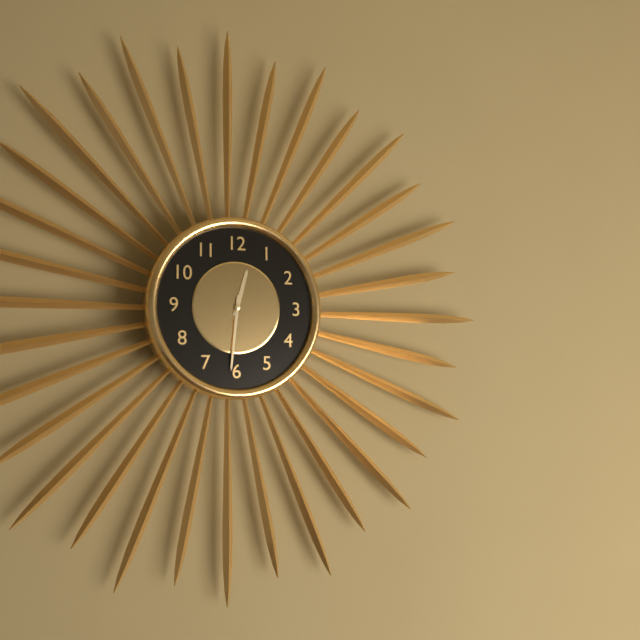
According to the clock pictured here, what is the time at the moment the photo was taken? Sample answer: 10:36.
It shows 12:31
